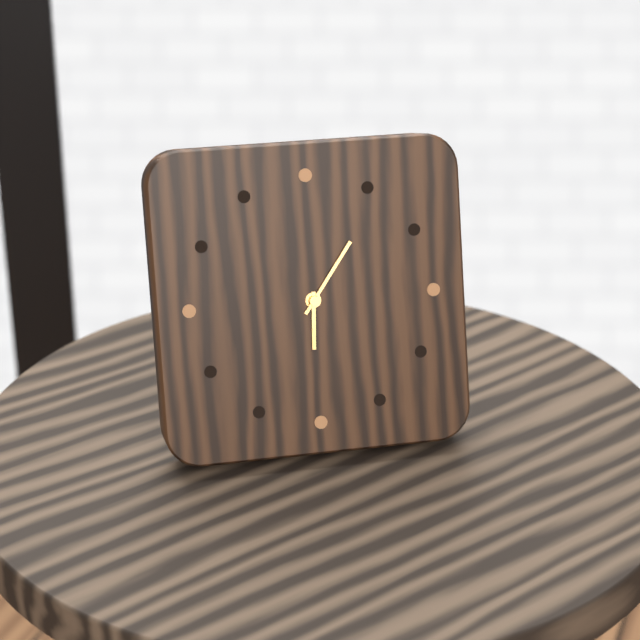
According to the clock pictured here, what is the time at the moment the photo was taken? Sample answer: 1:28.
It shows 6:06
